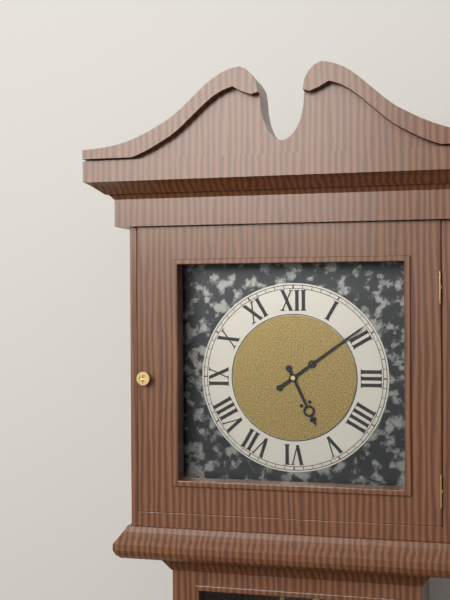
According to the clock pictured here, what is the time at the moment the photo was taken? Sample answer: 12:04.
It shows 5:09
